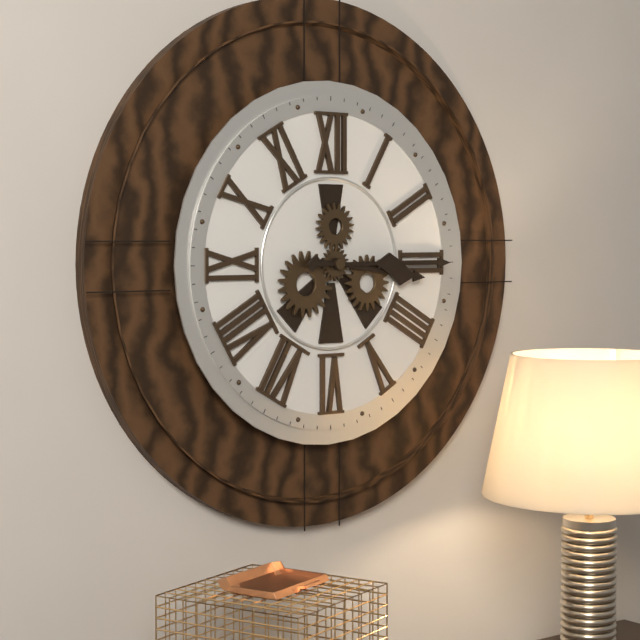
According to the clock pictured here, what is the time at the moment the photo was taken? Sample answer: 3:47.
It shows 3:15
